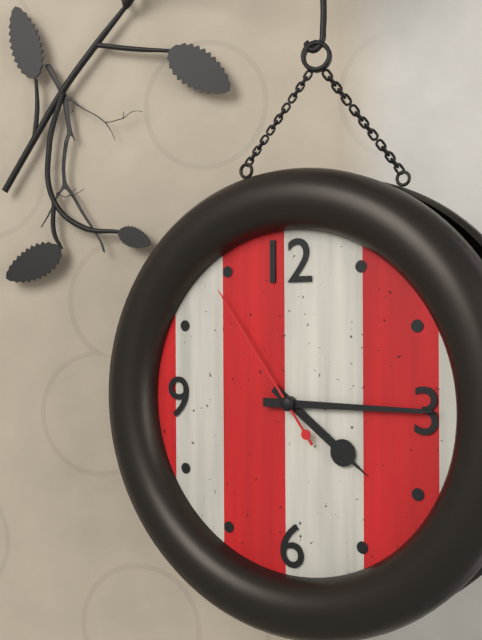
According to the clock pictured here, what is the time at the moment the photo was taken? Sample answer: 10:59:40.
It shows 4:15:54
